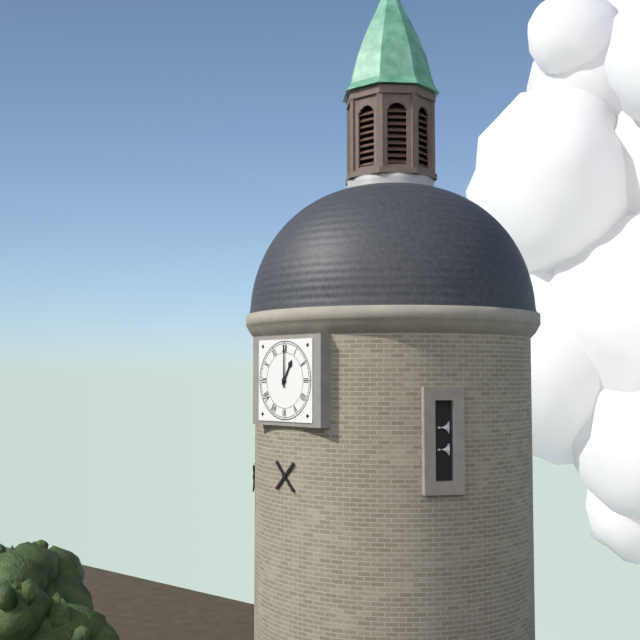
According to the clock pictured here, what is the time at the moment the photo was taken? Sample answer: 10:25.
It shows 1:00
